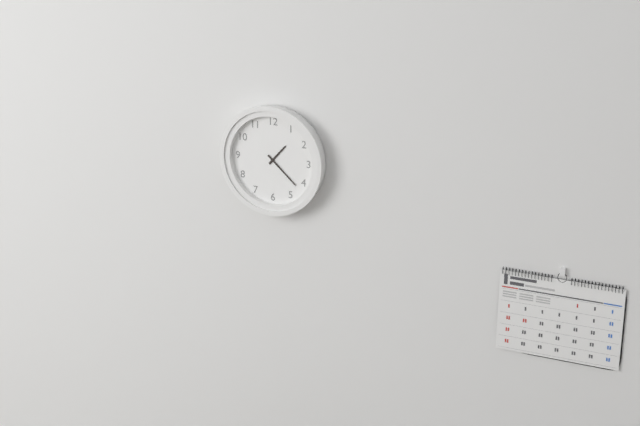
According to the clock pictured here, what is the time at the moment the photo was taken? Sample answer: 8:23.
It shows 1:22
